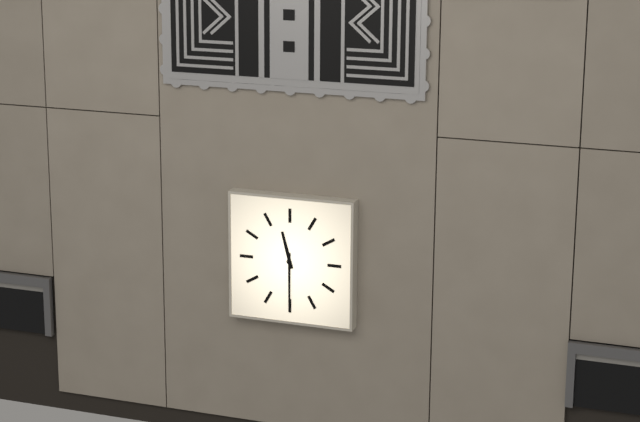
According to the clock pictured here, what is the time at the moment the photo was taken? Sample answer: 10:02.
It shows 11:30
